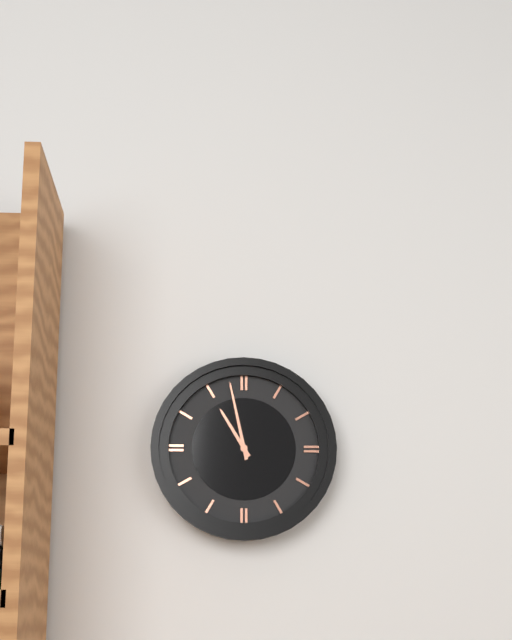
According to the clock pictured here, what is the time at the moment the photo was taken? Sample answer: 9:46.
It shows 10:58
